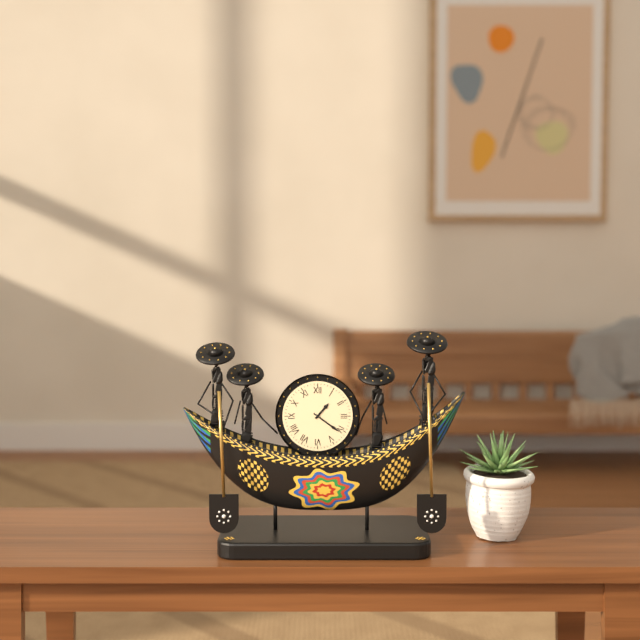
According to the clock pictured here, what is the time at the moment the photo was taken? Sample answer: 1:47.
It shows 1:21
